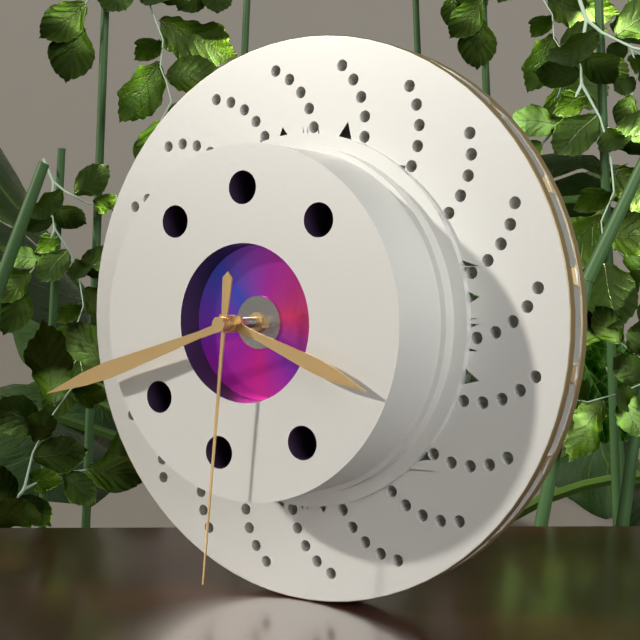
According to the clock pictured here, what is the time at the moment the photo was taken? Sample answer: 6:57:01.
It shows 3:42:31
